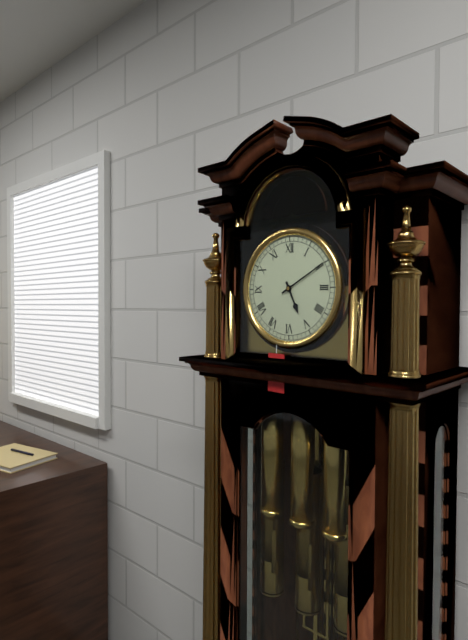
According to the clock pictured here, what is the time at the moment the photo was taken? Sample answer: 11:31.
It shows 5:10
